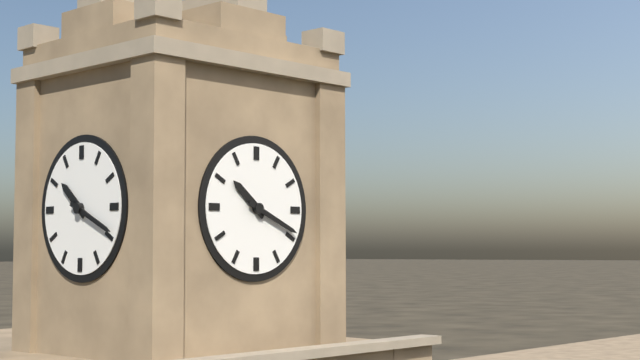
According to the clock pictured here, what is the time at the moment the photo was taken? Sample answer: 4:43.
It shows 10:19
